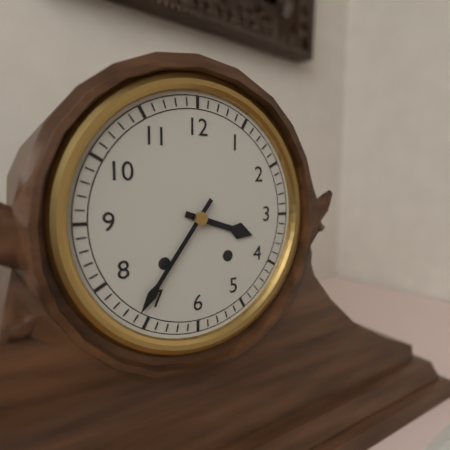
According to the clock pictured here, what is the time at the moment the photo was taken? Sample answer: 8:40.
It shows 3:36
